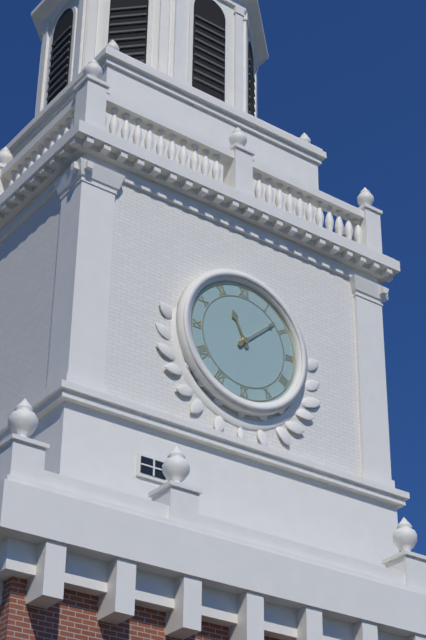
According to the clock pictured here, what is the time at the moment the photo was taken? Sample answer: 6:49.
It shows 11:08
